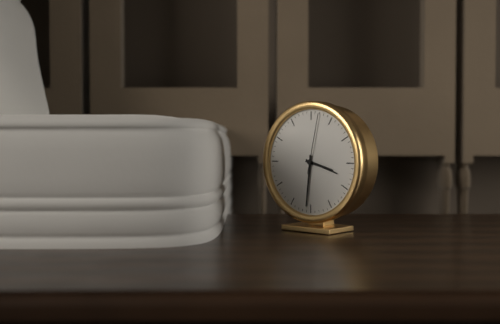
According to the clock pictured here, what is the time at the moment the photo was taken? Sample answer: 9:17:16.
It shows 3:31:02
